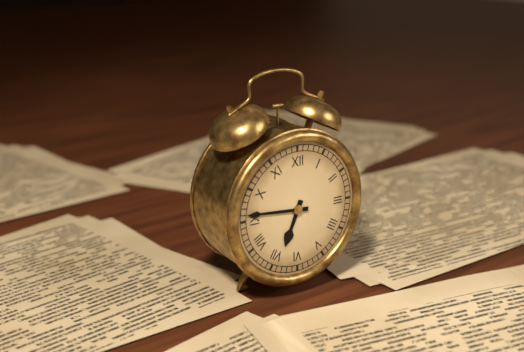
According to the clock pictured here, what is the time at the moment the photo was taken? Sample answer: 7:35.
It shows 6:46
